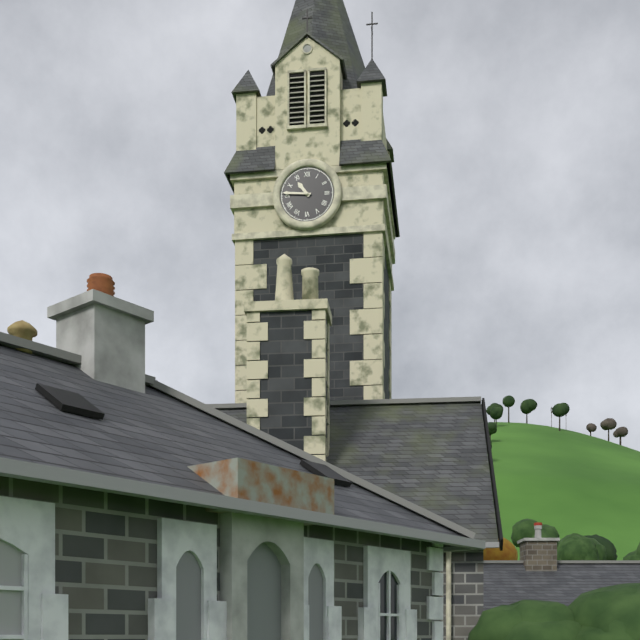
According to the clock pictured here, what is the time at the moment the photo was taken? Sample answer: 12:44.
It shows 10:46
